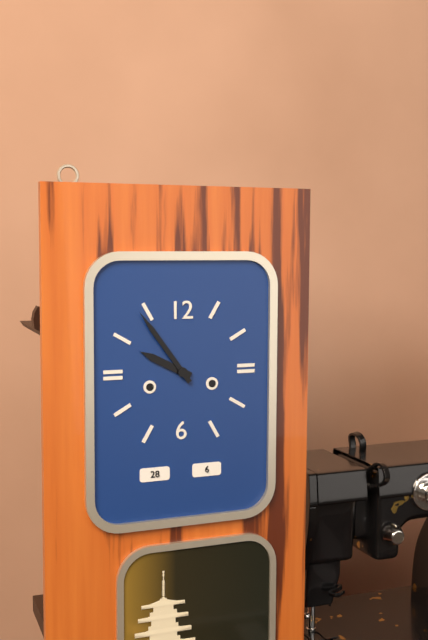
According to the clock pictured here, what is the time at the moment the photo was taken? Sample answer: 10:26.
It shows 9:54
